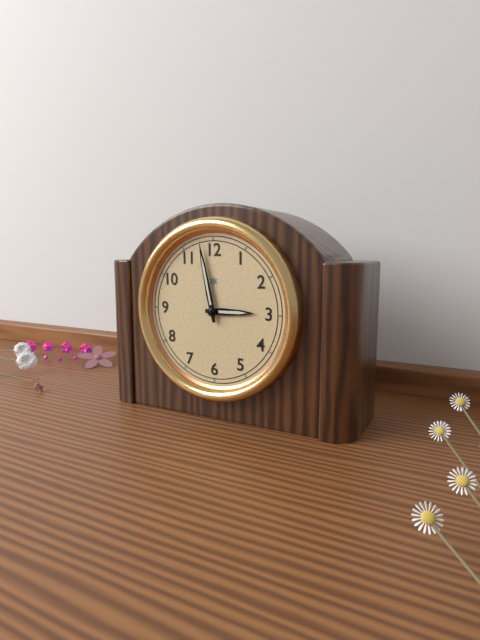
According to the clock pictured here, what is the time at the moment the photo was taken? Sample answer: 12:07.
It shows 2:58
